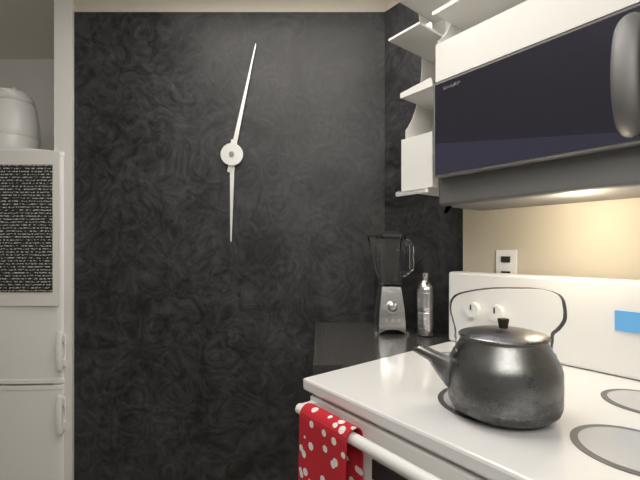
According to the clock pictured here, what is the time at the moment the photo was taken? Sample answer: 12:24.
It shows 6:02
